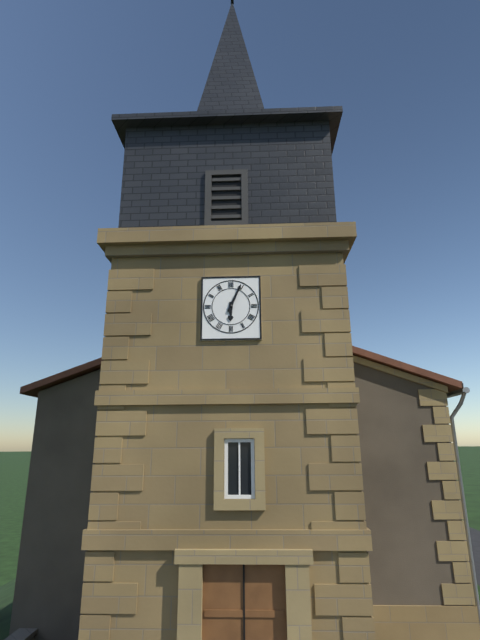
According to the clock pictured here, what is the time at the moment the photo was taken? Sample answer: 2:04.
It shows 6:04
